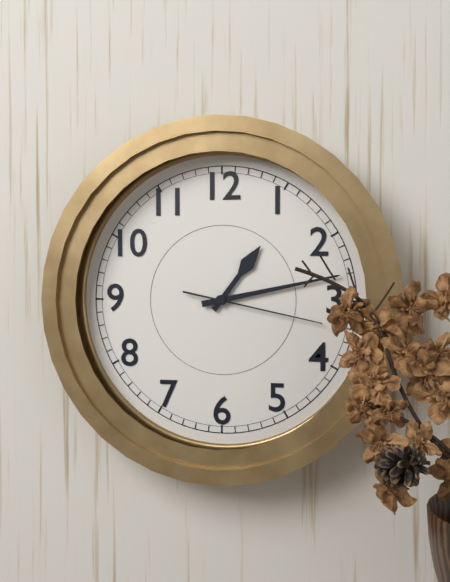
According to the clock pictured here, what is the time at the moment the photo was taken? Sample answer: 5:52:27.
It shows 1:13:17
